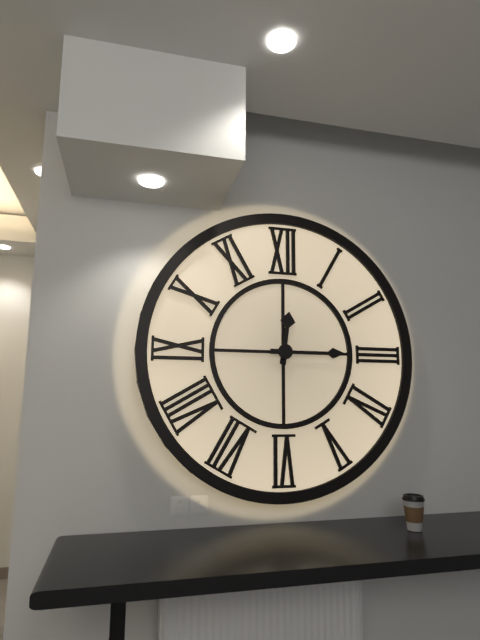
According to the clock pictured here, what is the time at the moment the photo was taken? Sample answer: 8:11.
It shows 12:15
